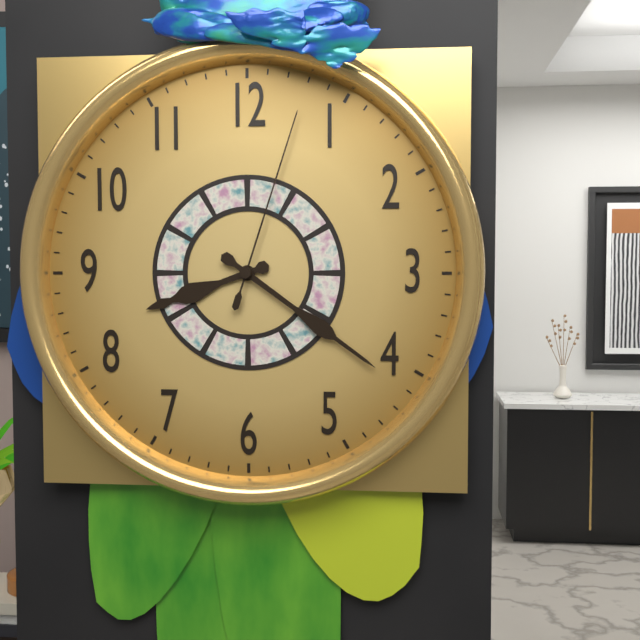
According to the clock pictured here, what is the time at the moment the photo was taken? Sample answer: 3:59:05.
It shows 8:21:03
